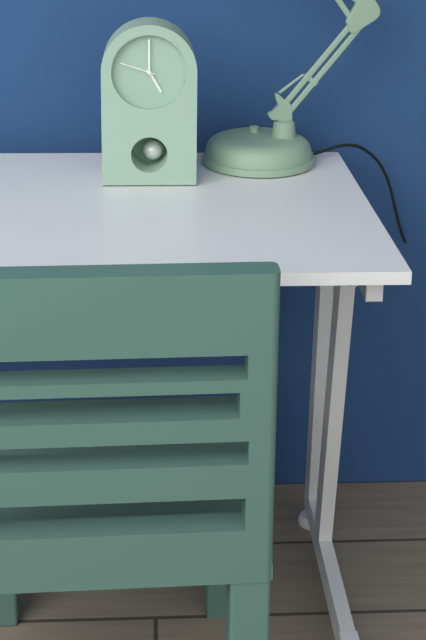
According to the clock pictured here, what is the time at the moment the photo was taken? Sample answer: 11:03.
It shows 5:00
